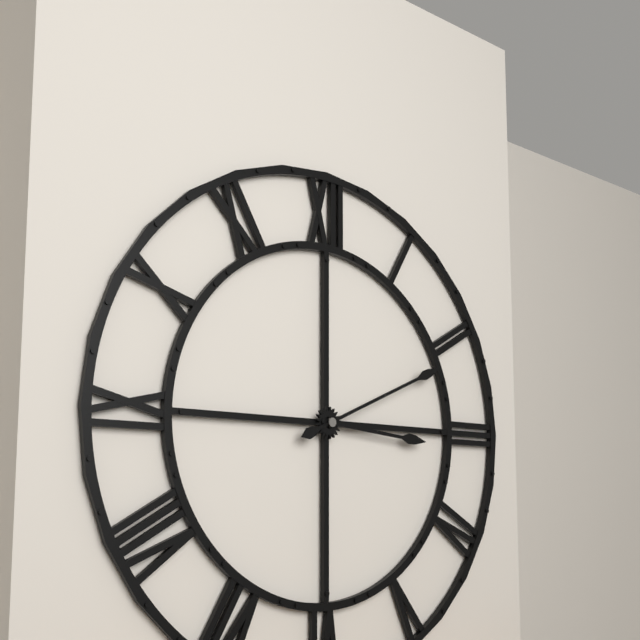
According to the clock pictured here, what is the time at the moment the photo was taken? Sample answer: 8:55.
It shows 3:11
